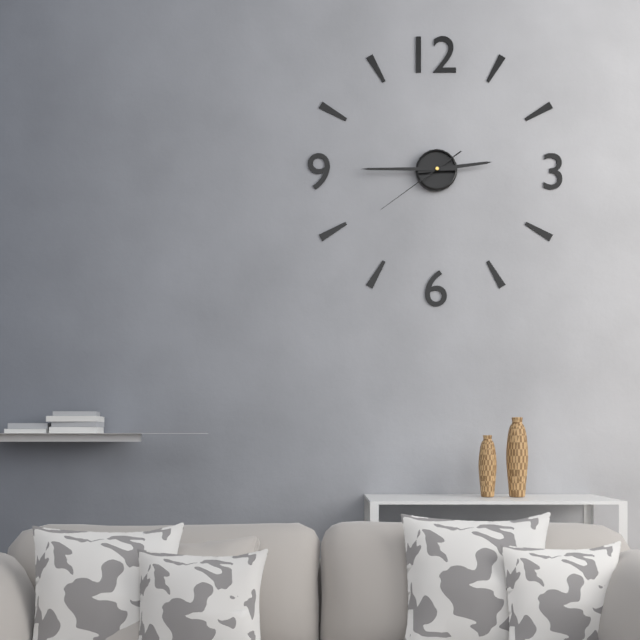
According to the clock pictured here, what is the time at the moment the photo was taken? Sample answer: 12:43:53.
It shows 2:45:39
